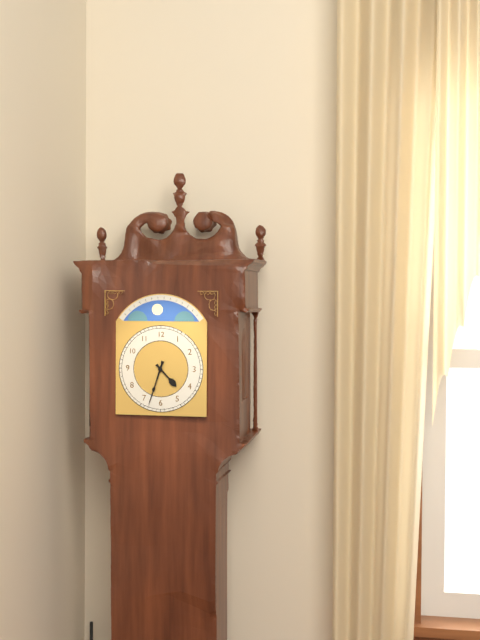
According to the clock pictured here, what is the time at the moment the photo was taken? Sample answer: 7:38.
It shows 4:33
